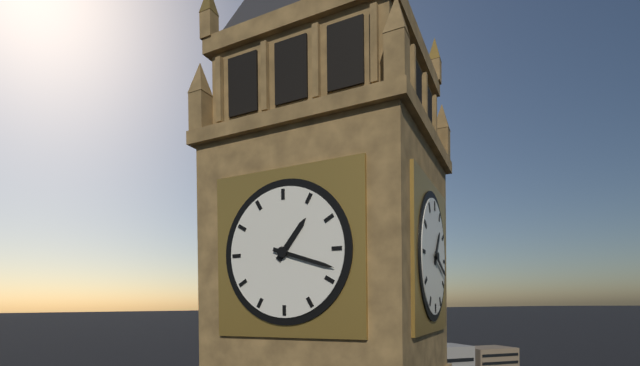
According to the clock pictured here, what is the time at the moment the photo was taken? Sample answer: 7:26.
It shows 1:18
